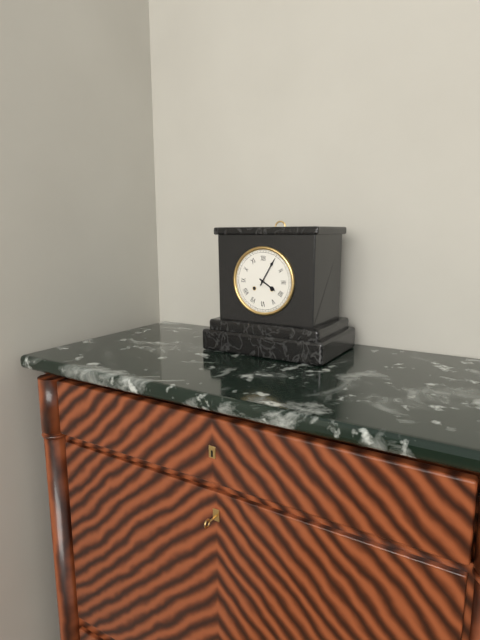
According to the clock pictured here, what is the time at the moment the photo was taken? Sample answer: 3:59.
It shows 4:05
